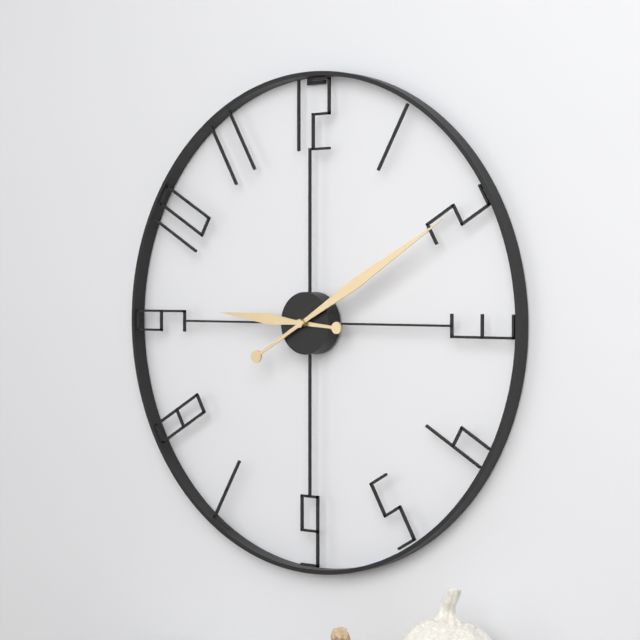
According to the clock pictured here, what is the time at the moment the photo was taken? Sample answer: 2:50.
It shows 9:10
